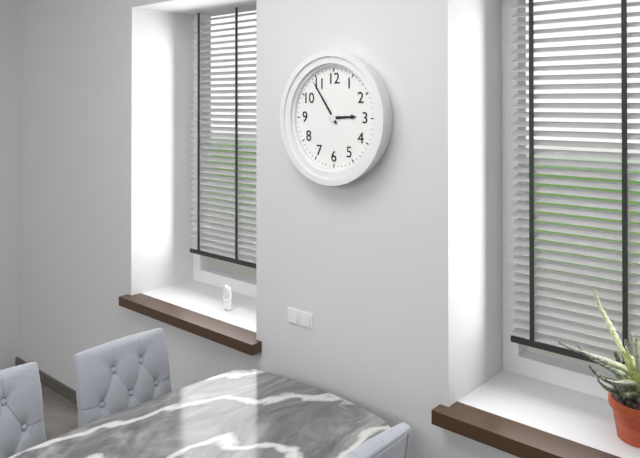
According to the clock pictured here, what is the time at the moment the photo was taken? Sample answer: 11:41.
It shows 2:54
